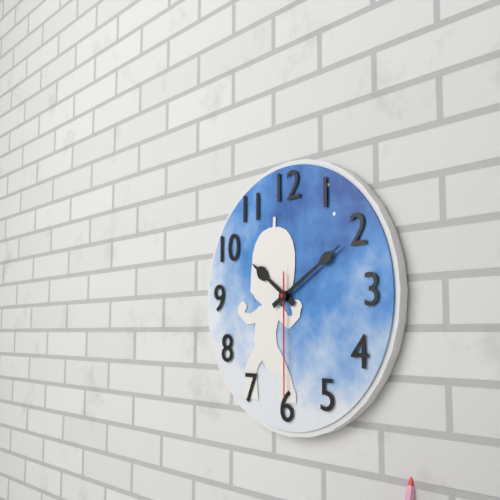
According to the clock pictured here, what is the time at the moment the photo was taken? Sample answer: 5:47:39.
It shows 10:10:30
